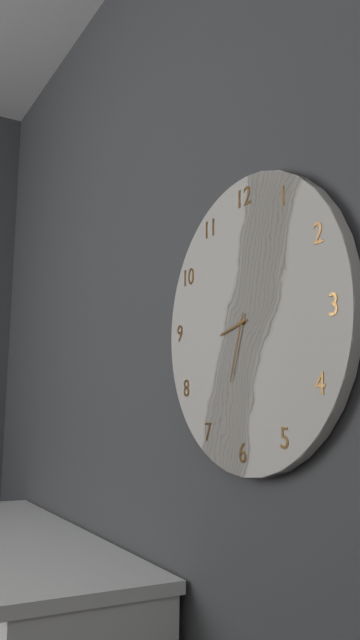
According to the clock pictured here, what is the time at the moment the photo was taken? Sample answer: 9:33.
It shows 8:33
